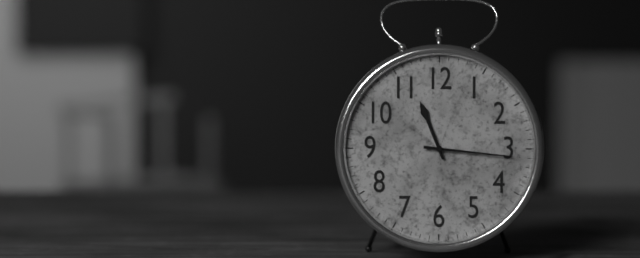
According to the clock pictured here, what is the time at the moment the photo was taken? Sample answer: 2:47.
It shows 11:16
